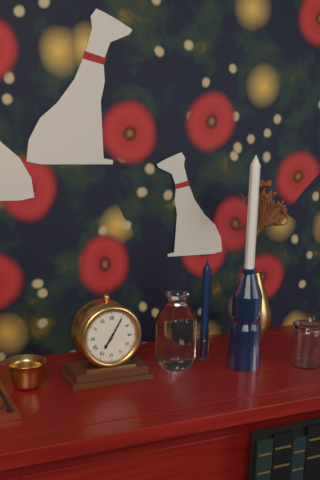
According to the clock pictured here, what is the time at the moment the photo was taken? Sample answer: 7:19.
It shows 7:05
